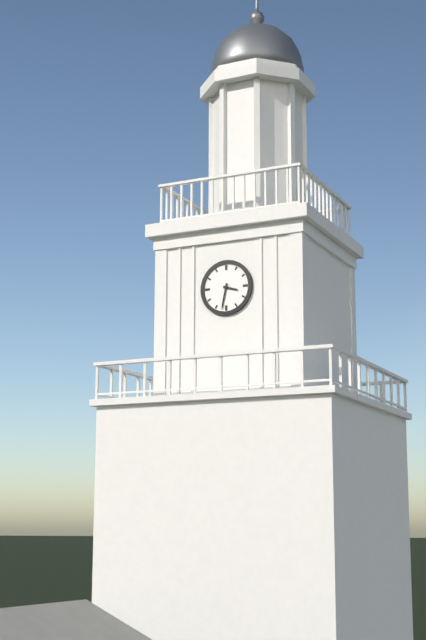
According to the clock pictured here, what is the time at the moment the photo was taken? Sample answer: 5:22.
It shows 3:32
